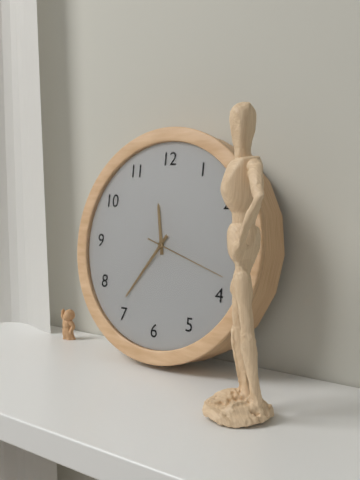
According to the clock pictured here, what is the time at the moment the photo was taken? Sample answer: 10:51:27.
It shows 11:36:18
